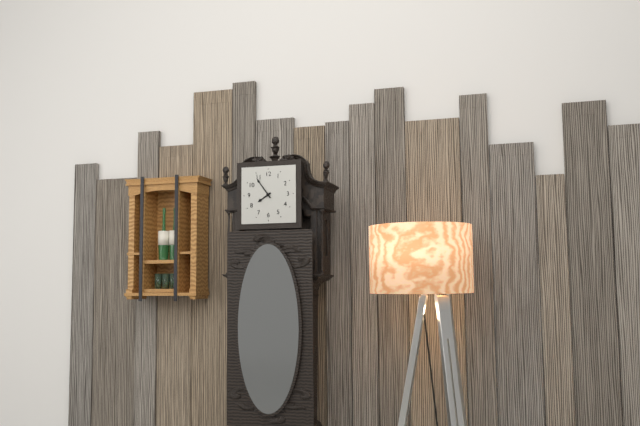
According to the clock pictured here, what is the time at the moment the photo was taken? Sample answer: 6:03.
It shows 7:54
